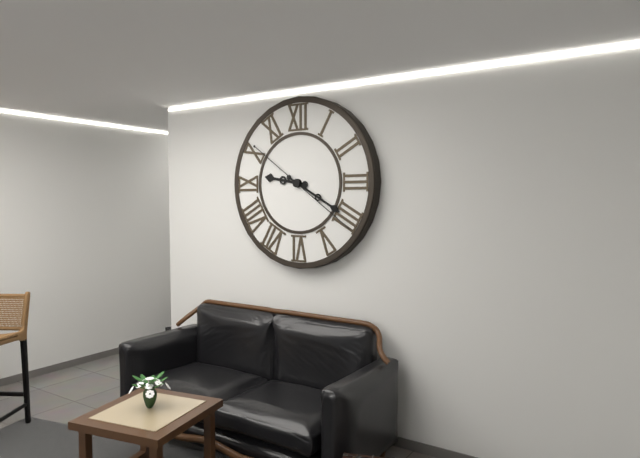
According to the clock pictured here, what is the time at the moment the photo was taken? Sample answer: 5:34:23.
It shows 9:20:21
